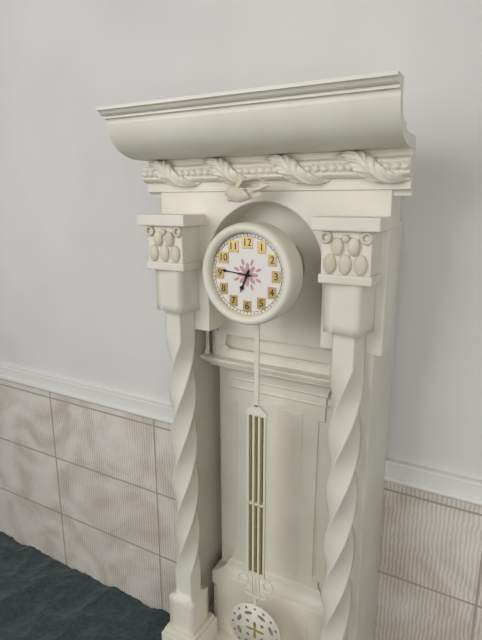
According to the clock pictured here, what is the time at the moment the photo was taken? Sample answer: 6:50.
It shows 6:46
